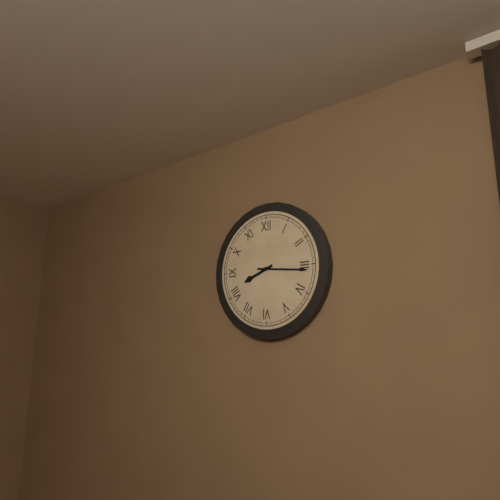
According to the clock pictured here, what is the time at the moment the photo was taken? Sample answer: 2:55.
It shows 8:16
